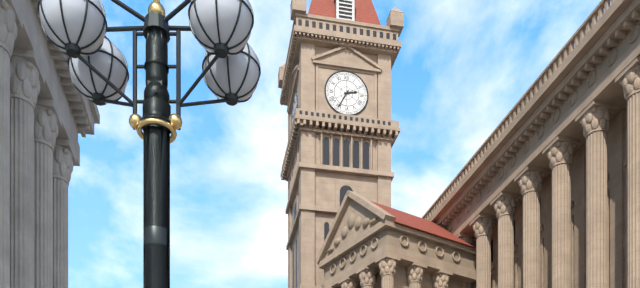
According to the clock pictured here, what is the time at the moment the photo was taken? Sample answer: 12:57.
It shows 2:35
